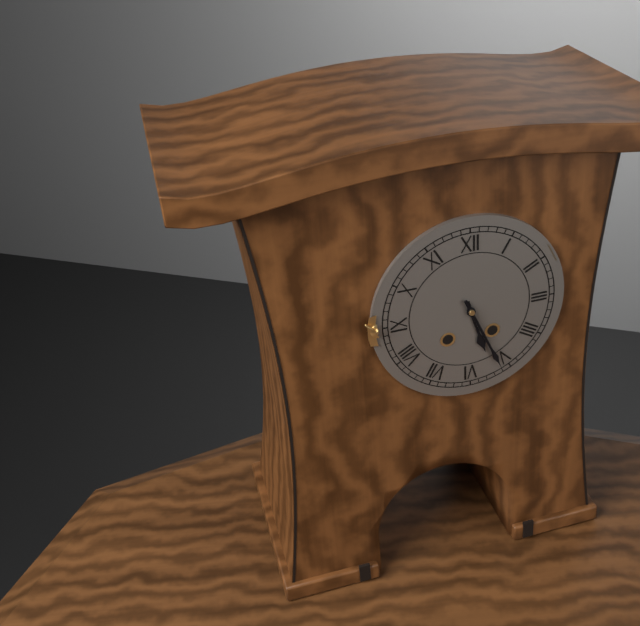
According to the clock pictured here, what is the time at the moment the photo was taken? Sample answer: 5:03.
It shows 5:26
